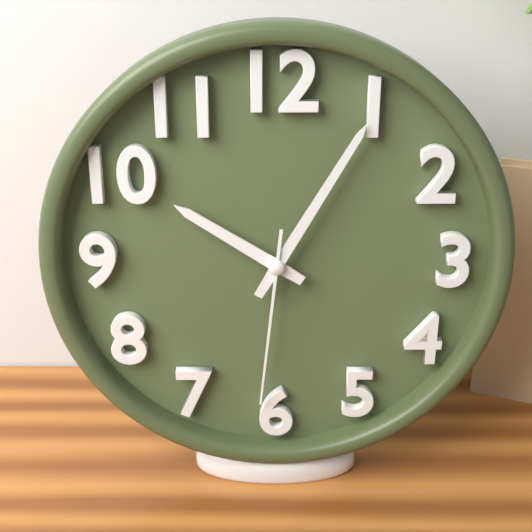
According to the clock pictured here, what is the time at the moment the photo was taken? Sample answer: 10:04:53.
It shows 10:05:31
